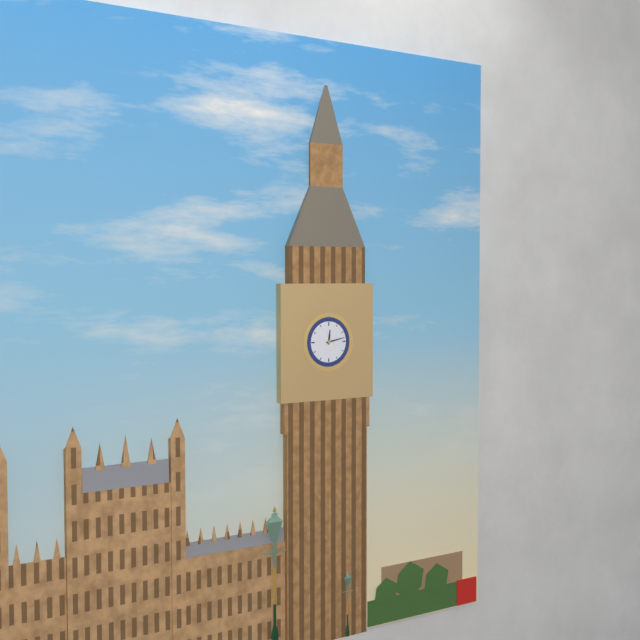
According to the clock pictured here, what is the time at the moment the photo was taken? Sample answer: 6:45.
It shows 12:13
